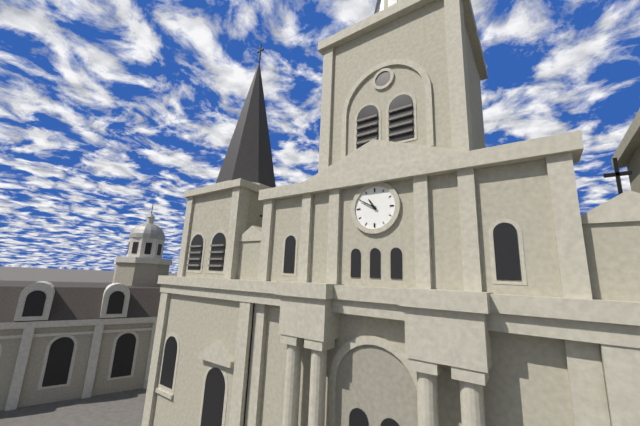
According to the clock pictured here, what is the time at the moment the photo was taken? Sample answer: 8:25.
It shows 10:50
